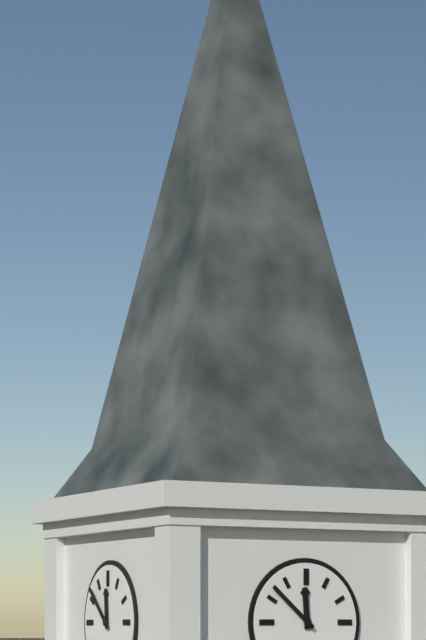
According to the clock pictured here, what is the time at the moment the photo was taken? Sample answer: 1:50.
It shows 11:52
